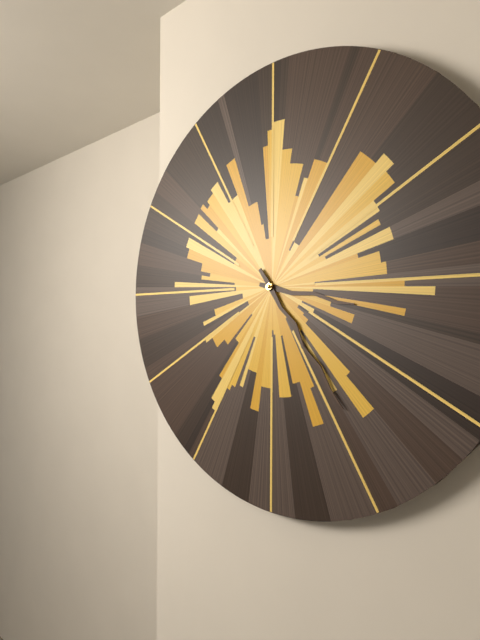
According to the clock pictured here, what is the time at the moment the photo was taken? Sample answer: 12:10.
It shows 3:24
